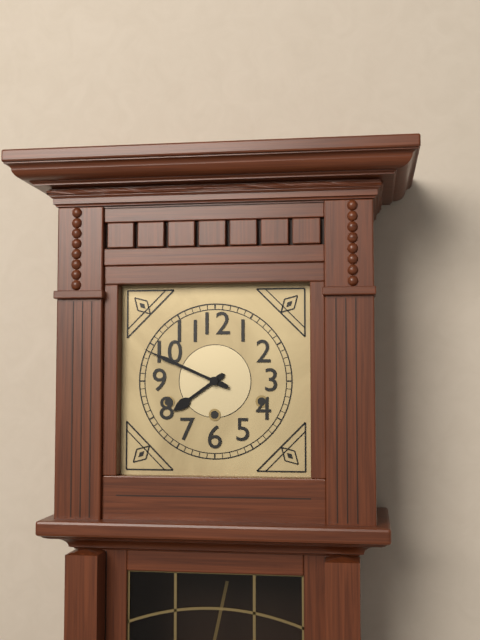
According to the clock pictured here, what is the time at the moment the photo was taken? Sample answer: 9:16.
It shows 7:49
